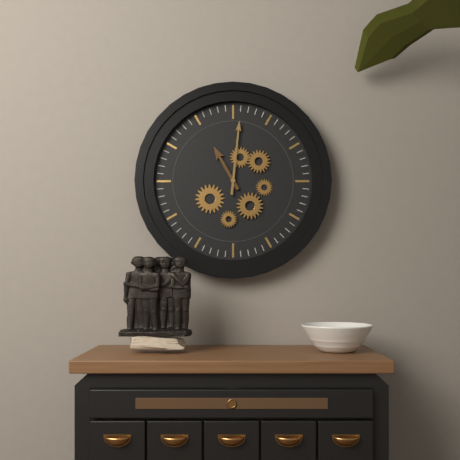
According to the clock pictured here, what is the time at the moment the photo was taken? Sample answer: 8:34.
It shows 11:01
